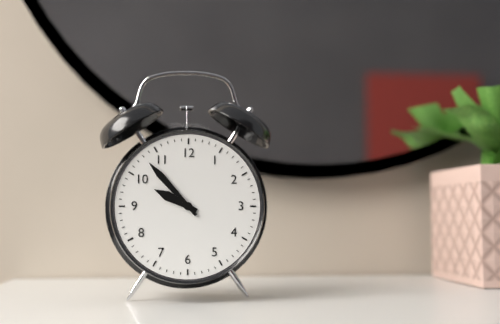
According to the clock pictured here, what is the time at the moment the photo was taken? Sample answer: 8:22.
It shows 9:53
